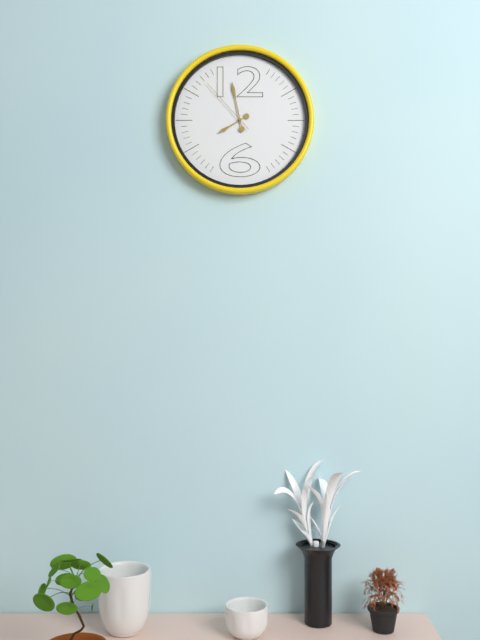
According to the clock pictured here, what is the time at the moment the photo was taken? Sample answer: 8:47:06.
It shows 7:58:53
